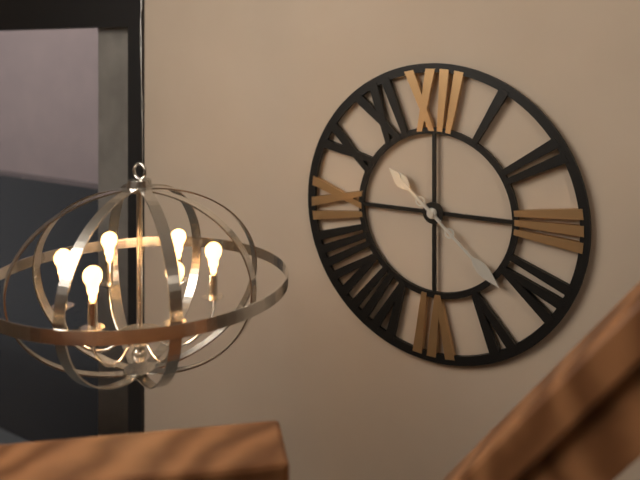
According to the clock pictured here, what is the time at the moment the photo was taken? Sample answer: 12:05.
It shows 10:22
